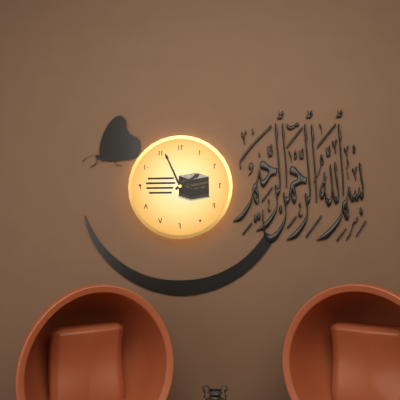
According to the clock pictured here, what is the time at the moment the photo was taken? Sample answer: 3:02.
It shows 1:56
